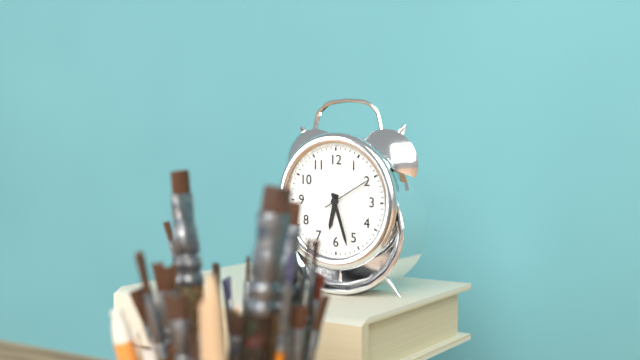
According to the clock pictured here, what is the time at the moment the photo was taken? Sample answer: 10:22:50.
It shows 6:27:10
